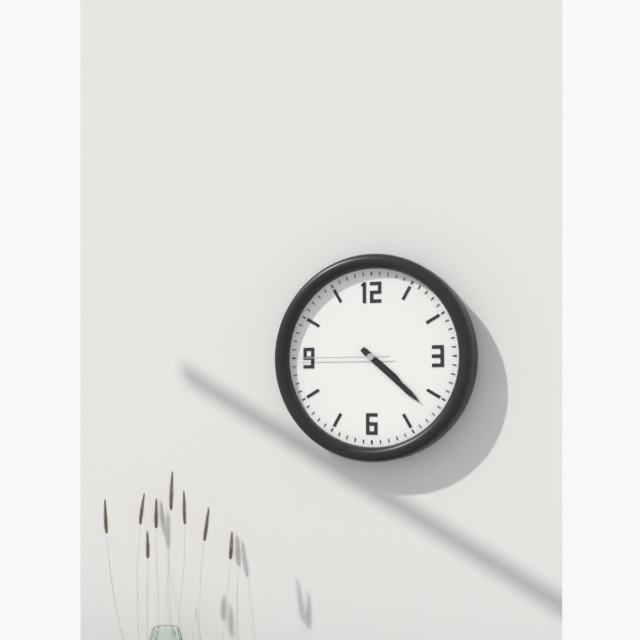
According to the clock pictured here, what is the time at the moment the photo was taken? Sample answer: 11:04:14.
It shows 4:22:45
